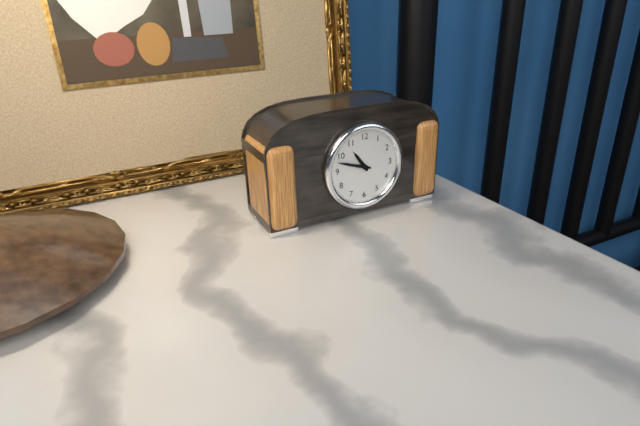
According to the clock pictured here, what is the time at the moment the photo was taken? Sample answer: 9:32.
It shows 10:48
